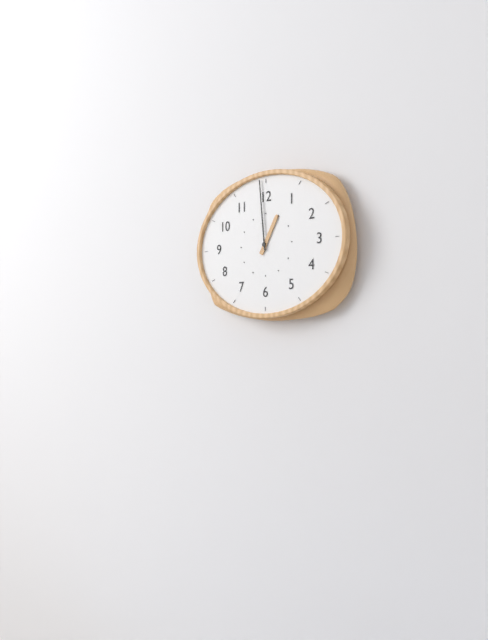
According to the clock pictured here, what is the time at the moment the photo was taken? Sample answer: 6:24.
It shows 12:59
